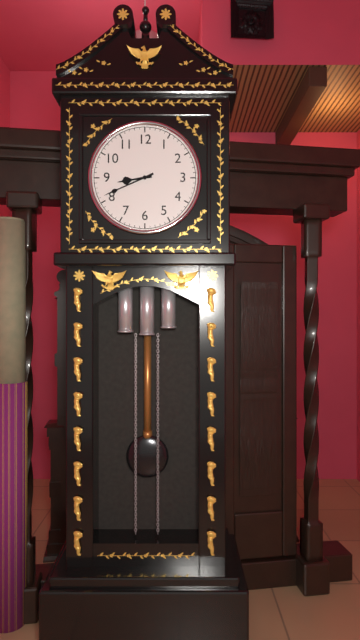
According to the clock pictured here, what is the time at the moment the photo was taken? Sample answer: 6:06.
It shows 8:41
